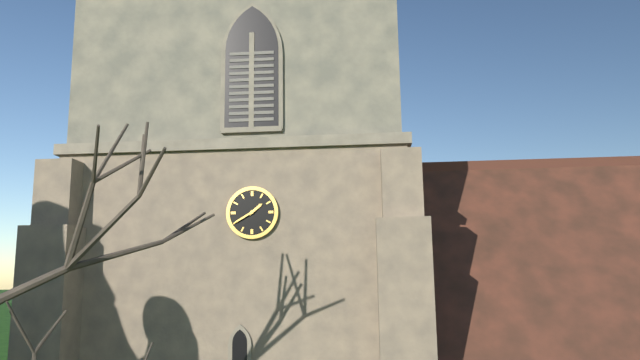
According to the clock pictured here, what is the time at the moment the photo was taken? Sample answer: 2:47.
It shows 1:40
